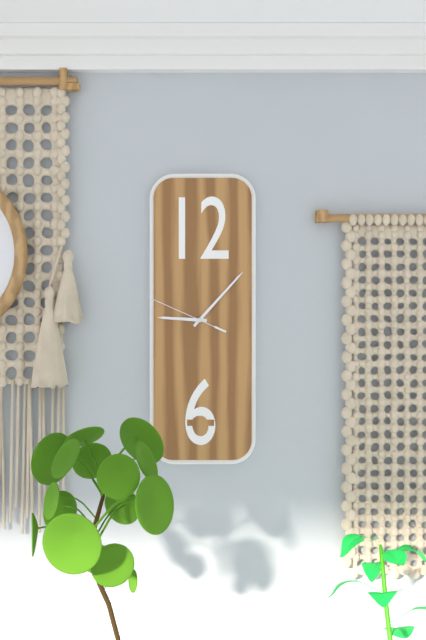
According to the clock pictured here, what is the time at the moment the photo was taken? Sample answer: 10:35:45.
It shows 9:07:49
